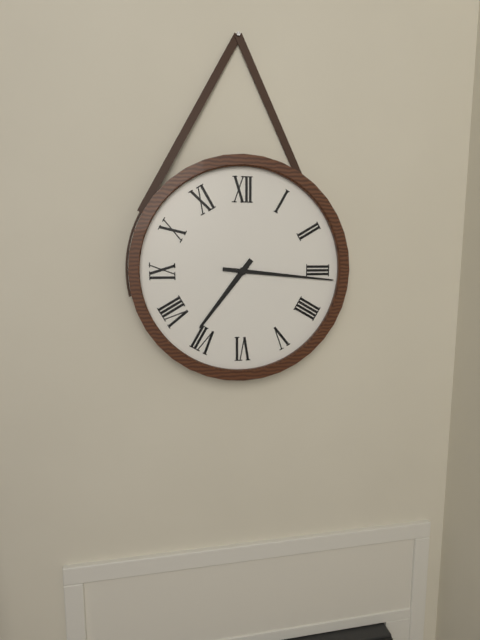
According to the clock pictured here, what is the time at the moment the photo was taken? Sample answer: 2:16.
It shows 7:16
